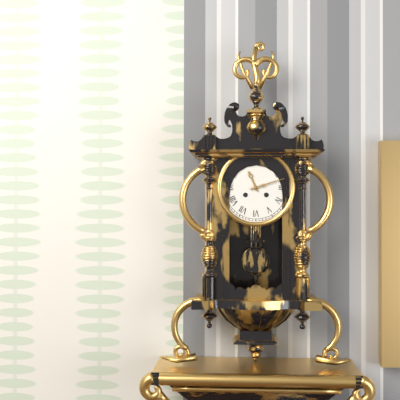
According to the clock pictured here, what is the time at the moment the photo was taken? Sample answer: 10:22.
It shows 11:12
